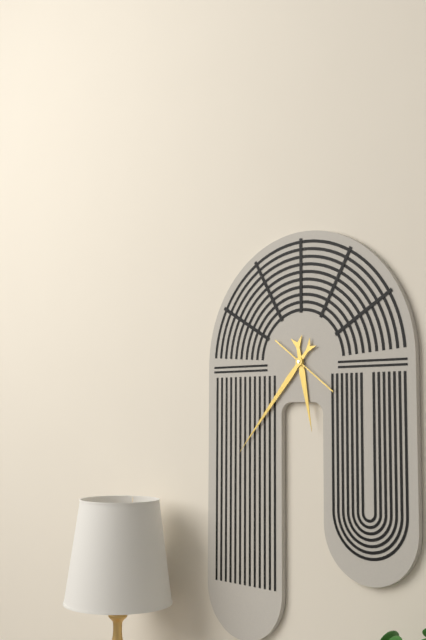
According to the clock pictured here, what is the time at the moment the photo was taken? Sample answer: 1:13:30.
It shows 5:37:21
